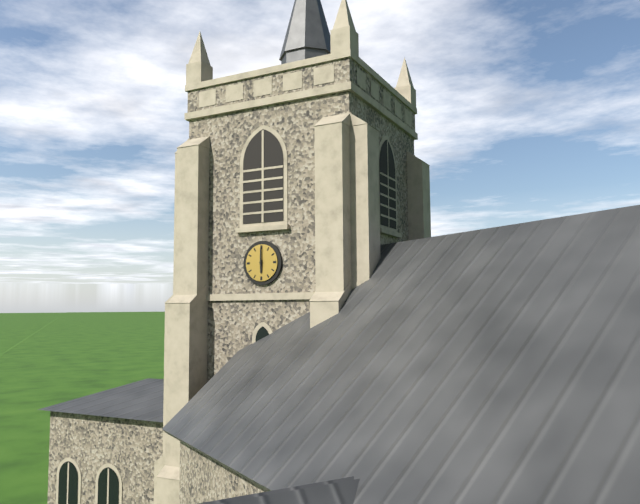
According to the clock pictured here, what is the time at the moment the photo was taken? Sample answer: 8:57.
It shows 6:00
